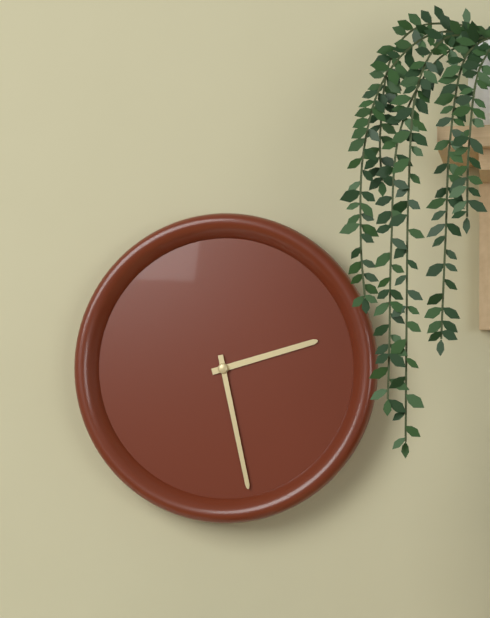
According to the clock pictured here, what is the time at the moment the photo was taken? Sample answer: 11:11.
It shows 2:28
